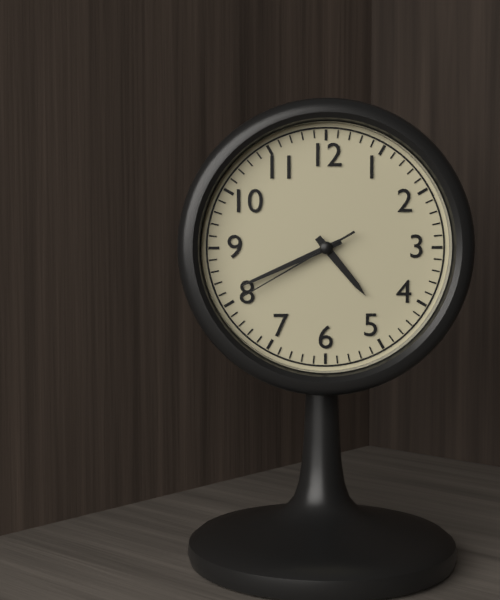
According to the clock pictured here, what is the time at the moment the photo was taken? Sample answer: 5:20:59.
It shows 4:41:40
